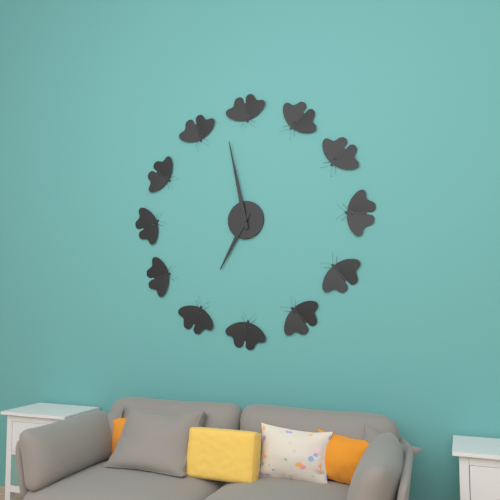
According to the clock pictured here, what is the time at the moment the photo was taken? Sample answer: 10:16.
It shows 6:58
